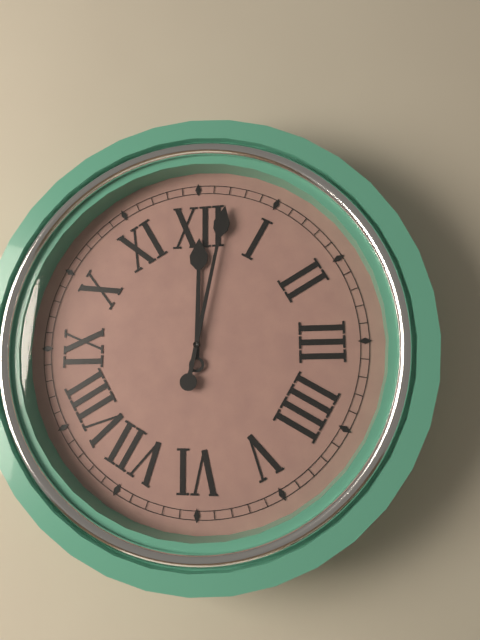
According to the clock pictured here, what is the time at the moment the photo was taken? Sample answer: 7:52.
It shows 12:02
